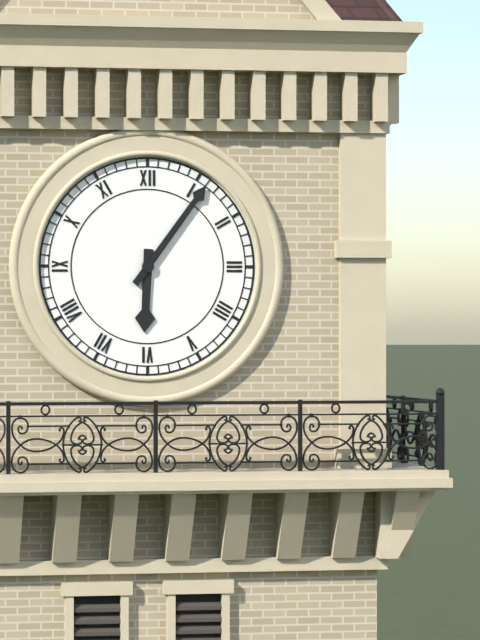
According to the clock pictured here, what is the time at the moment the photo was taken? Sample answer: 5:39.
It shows 6:06
